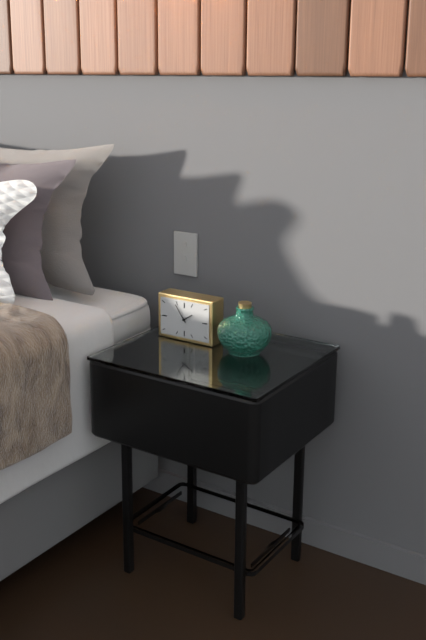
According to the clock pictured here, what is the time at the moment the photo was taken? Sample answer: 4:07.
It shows 1:54
